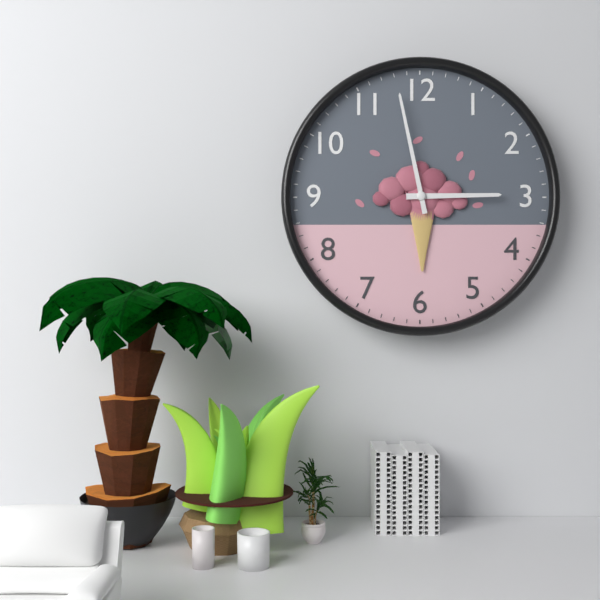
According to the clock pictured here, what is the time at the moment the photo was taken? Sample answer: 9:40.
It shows 2:58
